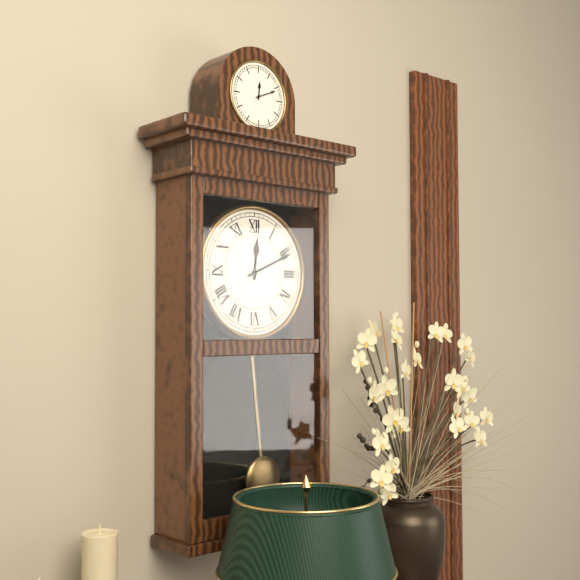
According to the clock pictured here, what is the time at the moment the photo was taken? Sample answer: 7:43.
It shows 12:11
